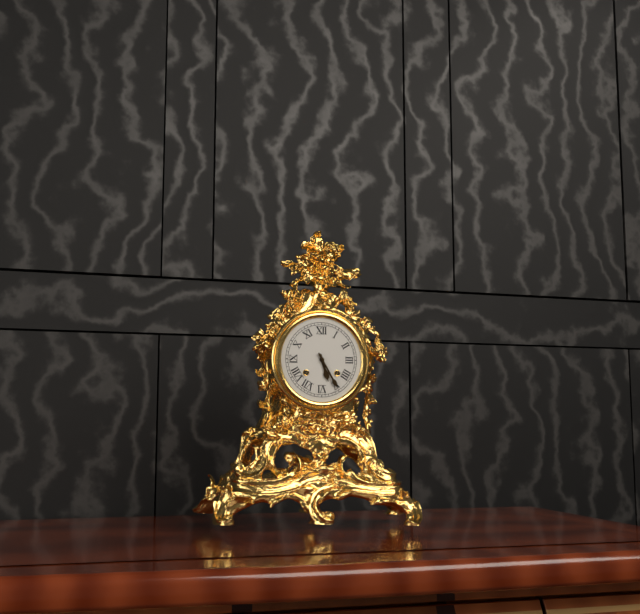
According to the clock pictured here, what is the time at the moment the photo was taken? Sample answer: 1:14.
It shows 5:25
